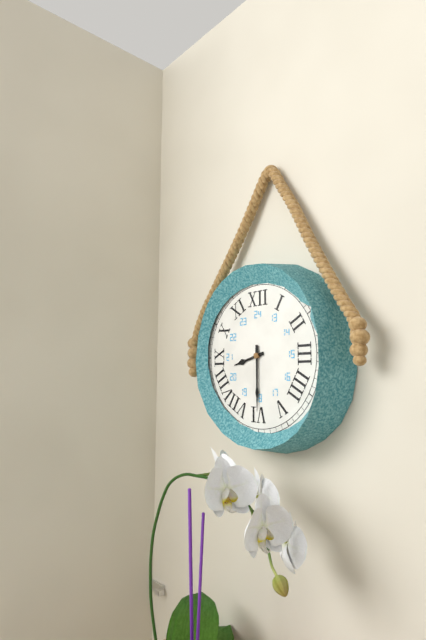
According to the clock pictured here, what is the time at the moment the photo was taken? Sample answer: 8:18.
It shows 8:30
